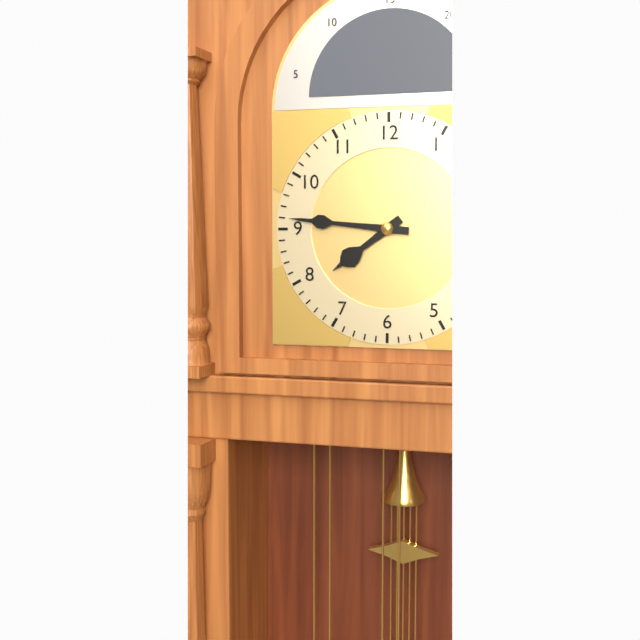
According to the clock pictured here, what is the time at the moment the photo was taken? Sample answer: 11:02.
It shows 7:46
